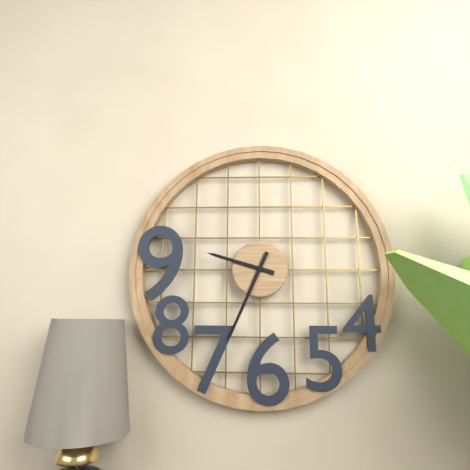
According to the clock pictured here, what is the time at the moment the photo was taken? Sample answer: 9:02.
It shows 9:34
